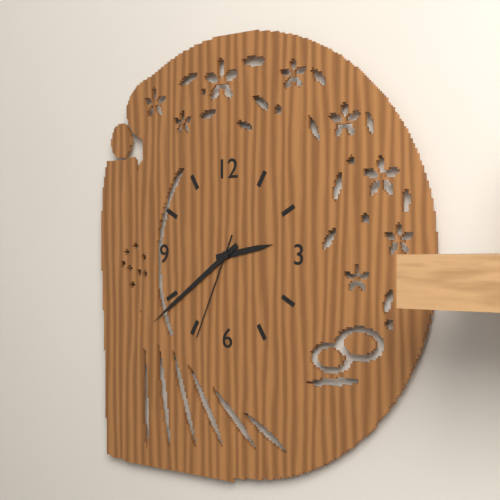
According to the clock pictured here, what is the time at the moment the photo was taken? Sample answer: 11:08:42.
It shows 2:39:34
